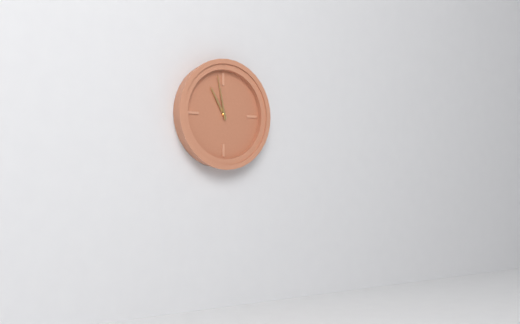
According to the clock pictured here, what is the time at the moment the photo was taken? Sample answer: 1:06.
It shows 10:58
